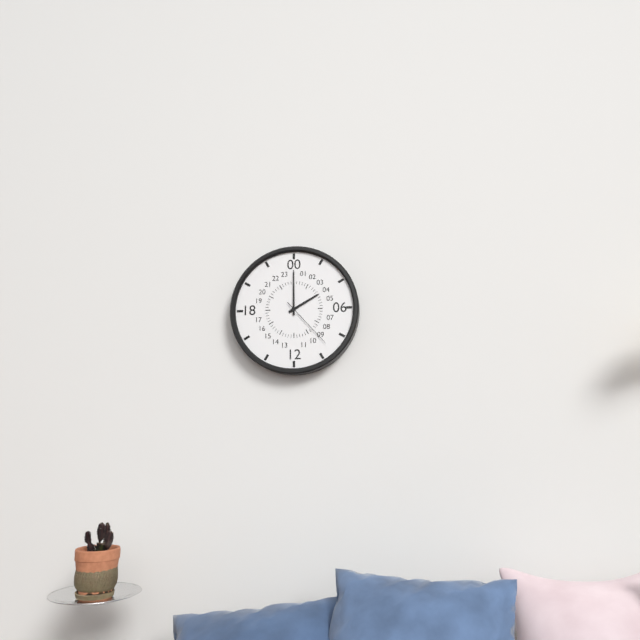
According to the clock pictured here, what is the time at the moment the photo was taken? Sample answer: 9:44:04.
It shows 2:00:23
